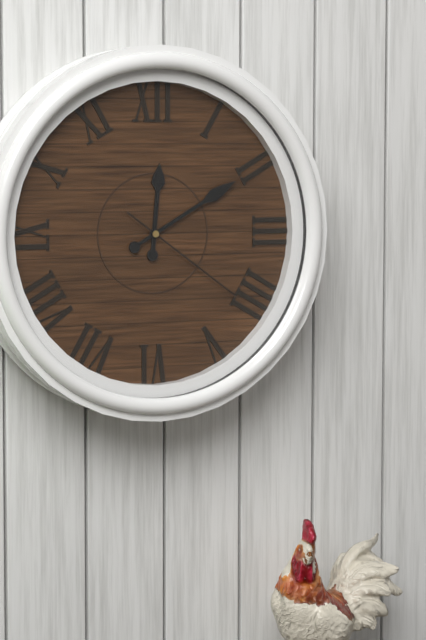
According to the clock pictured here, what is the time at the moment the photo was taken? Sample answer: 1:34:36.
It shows 12:10:21
